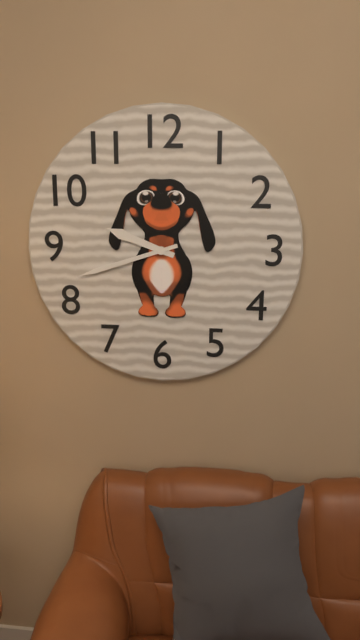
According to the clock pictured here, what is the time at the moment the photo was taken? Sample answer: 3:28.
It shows 9:42
